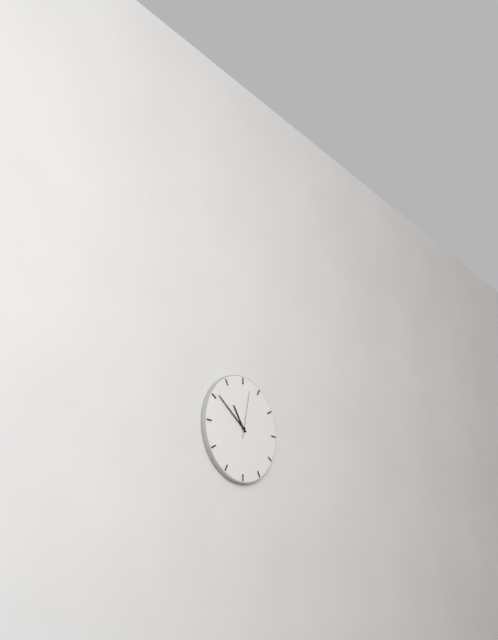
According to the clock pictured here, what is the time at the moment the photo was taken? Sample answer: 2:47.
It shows 10:51
